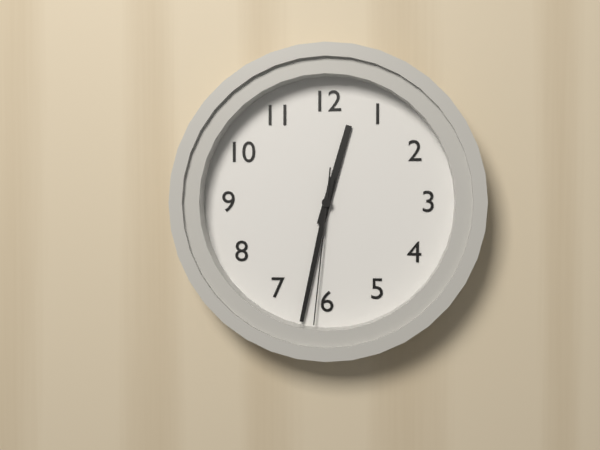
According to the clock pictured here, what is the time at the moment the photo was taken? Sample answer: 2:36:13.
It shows 12:32:31
